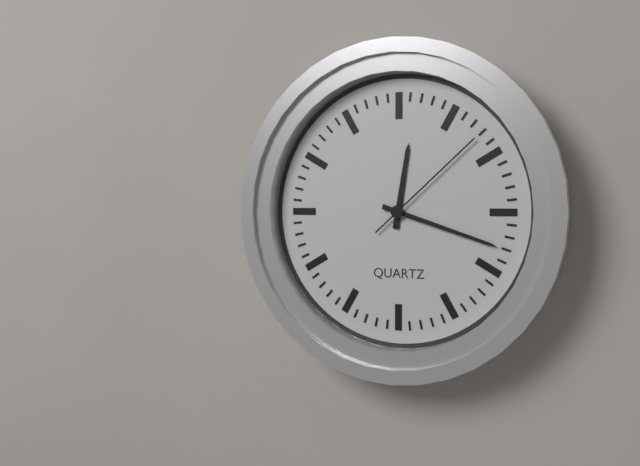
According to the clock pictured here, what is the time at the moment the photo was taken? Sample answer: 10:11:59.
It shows 12:18:08
